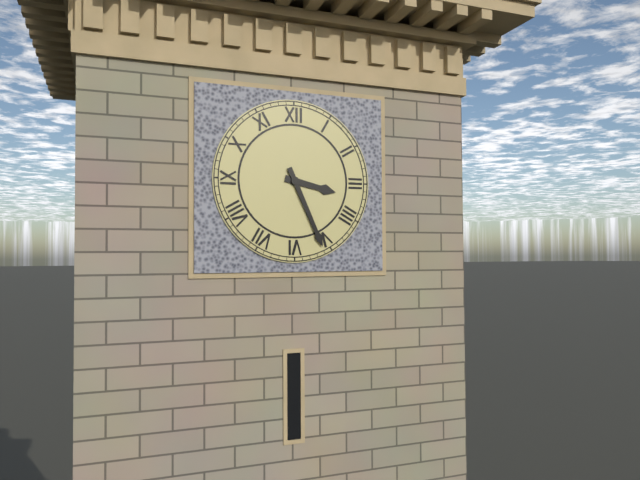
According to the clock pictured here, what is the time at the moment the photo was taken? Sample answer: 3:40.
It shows 3:26
